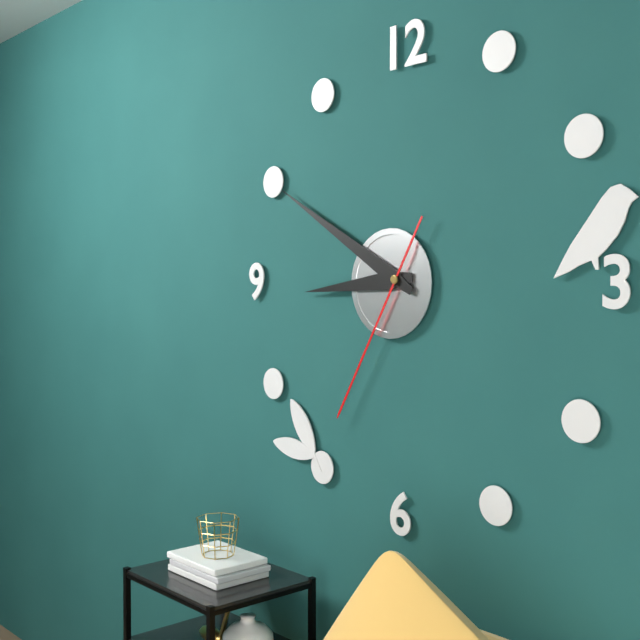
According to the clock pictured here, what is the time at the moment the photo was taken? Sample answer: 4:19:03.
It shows 8:50:35
